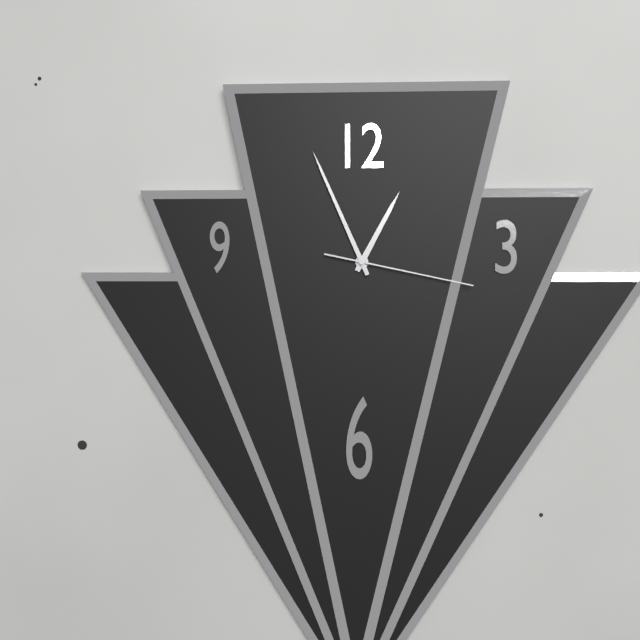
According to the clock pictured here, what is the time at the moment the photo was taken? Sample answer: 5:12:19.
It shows 12:56:17
